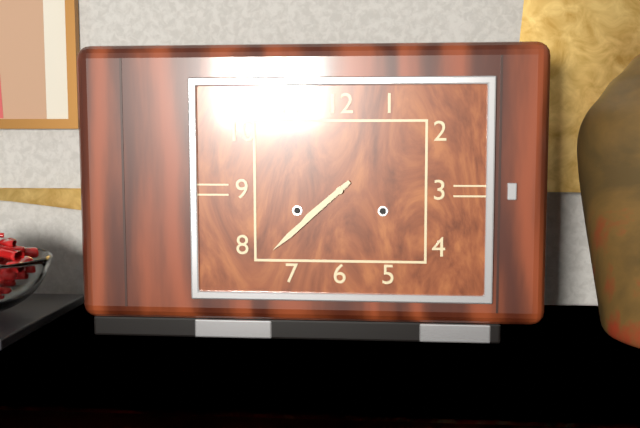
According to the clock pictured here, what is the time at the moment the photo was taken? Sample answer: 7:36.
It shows 7:38
